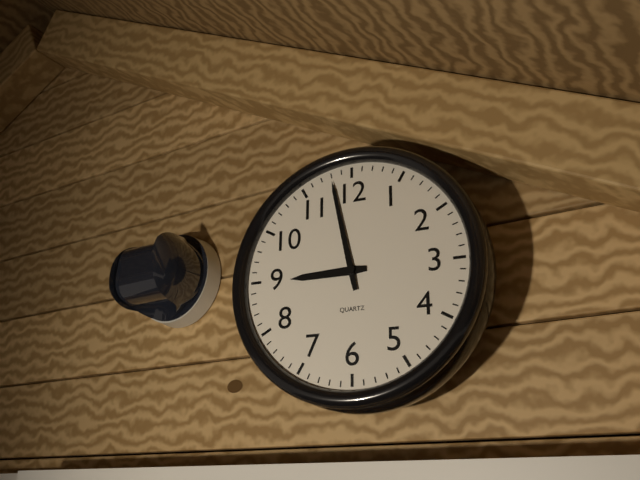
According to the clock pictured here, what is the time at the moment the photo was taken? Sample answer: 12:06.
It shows 8:58
